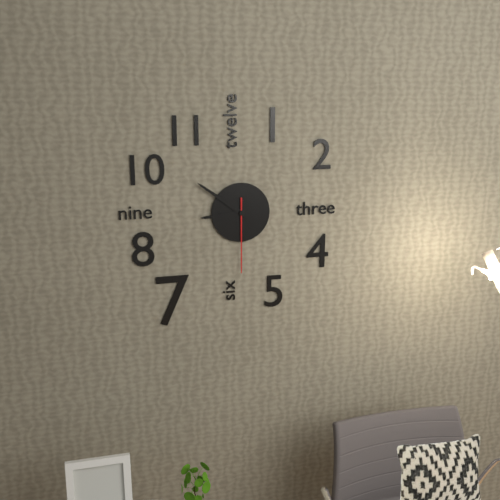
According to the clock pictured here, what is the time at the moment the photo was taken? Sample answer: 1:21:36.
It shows 8:51:30
